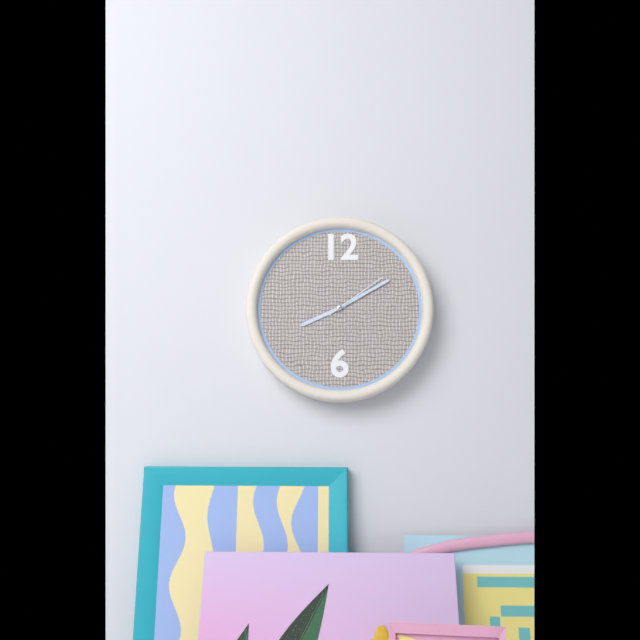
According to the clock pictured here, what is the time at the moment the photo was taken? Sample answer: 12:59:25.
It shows 8:10:09
